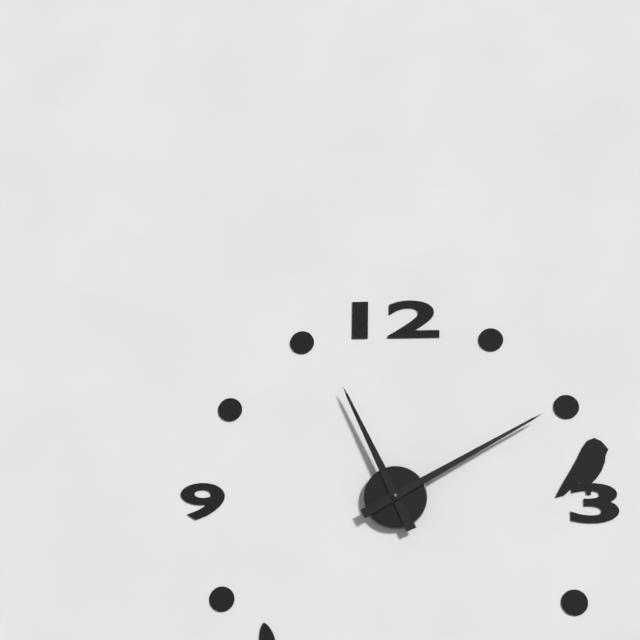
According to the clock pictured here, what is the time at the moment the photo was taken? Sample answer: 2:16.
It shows 11:10
